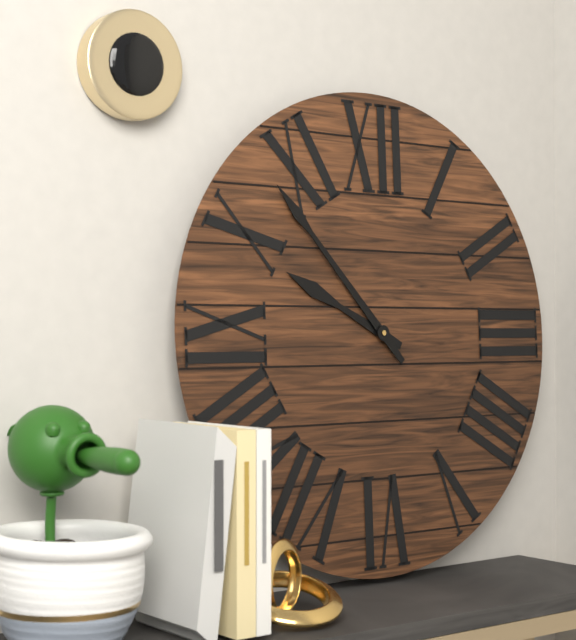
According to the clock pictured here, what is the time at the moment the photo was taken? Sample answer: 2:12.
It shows 9:53
